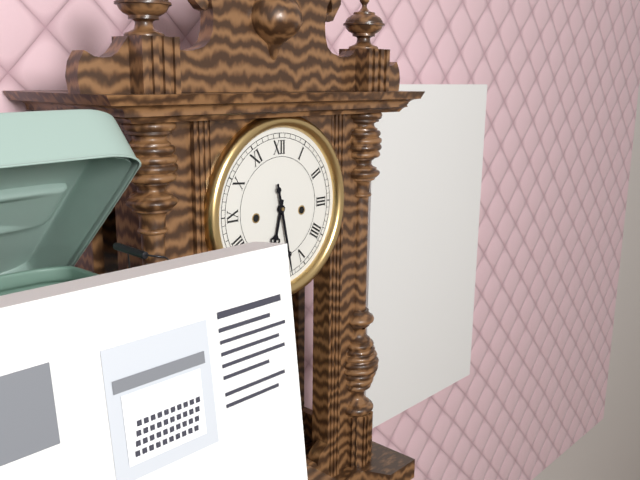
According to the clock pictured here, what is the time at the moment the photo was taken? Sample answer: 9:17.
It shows 6:28
